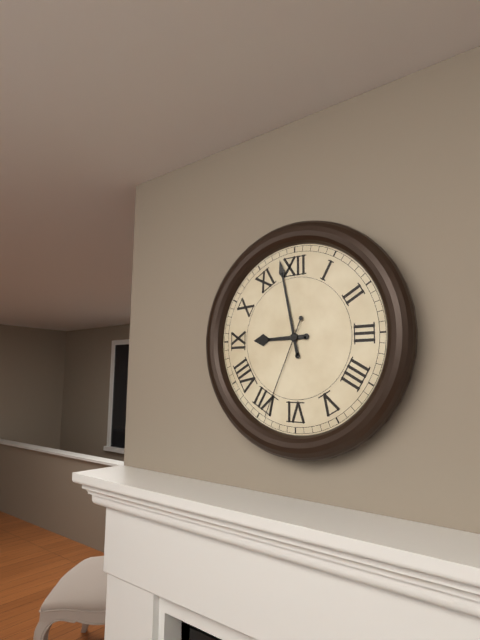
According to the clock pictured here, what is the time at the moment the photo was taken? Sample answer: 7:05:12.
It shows 8:58:34
